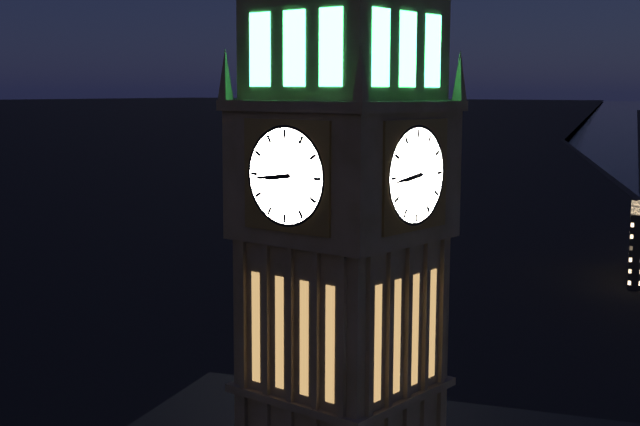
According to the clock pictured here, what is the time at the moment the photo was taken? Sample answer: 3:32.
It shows 8:44
